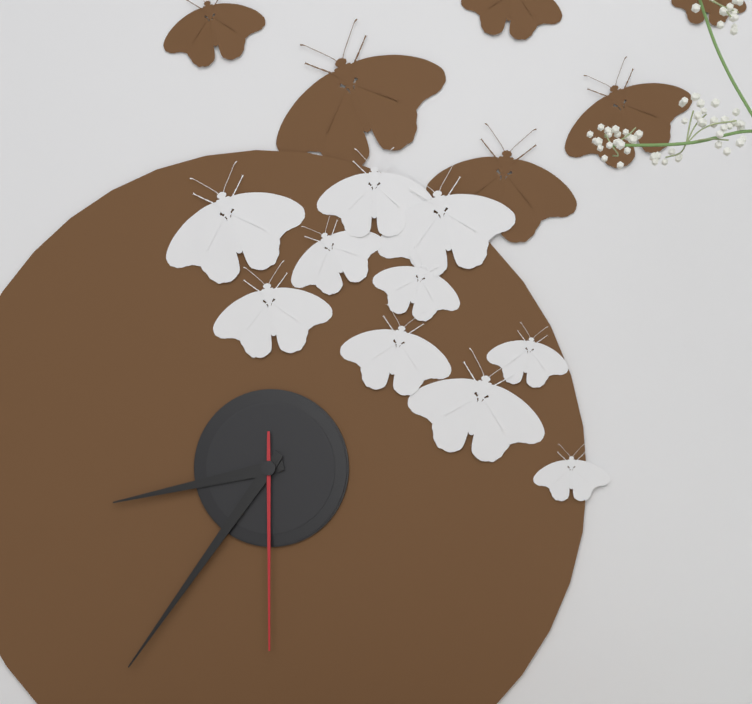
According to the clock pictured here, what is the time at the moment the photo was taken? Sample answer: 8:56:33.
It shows 8:36:30
